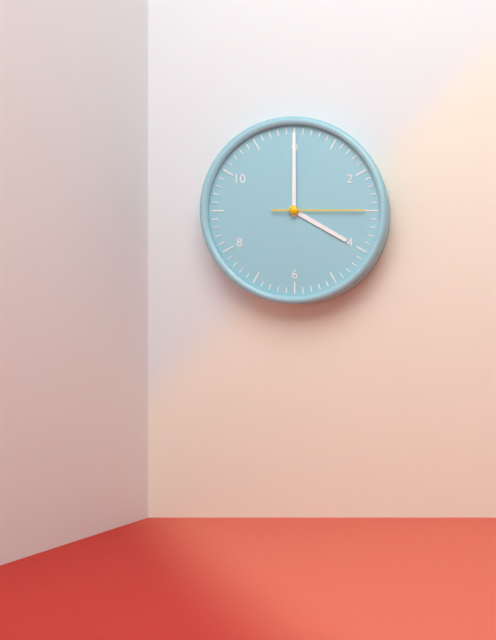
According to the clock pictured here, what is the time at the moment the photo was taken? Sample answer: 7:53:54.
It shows 4:00:15
